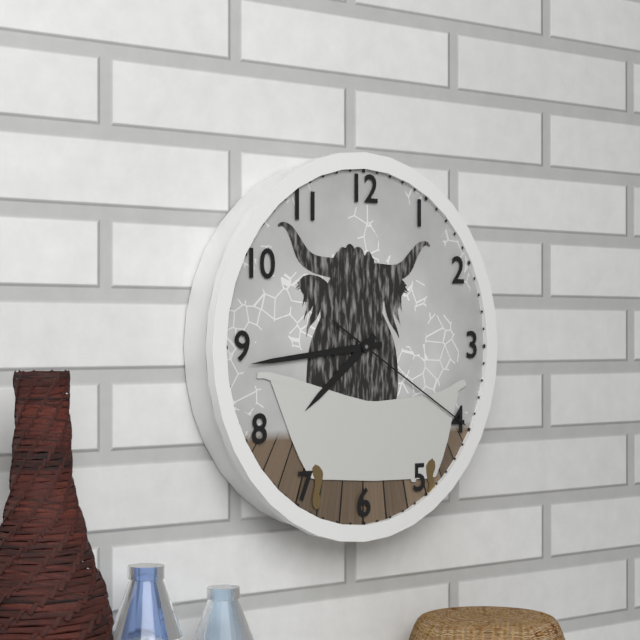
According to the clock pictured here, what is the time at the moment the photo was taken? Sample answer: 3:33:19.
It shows 7:44:20
